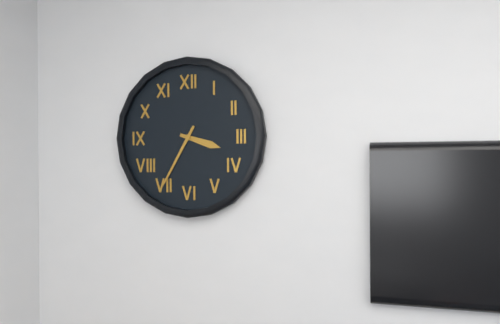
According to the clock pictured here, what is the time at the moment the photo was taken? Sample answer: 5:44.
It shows 3:35
